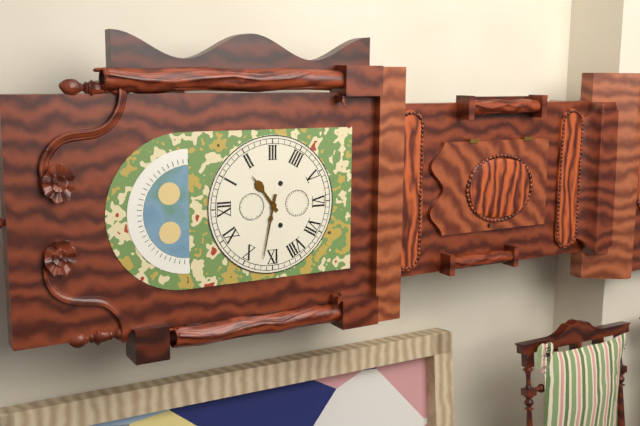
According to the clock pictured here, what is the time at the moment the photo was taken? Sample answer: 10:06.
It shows 1:47
